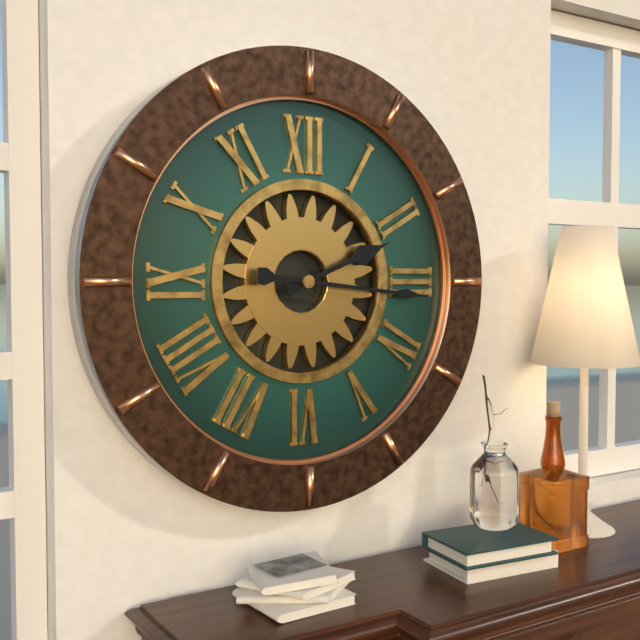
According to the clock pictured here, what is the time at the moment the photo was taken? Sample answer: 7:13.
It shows 2:16
